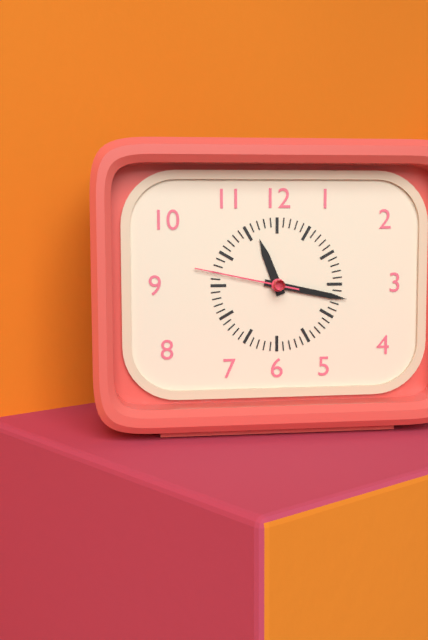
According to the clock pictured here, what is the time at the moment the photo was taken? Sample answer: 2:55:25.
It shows 11:17:47
